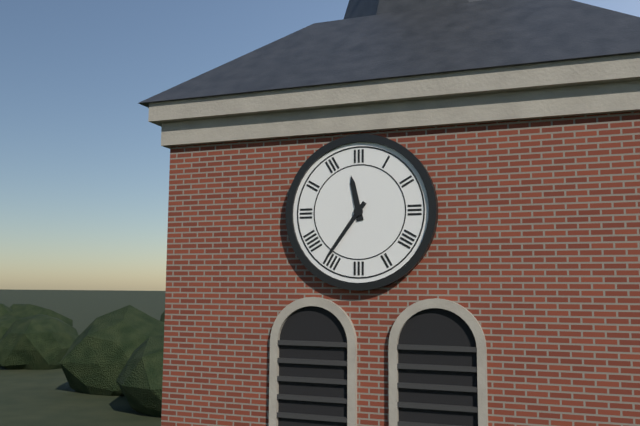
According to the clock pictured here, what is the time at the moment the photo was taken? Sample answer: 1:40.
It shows 11:36
